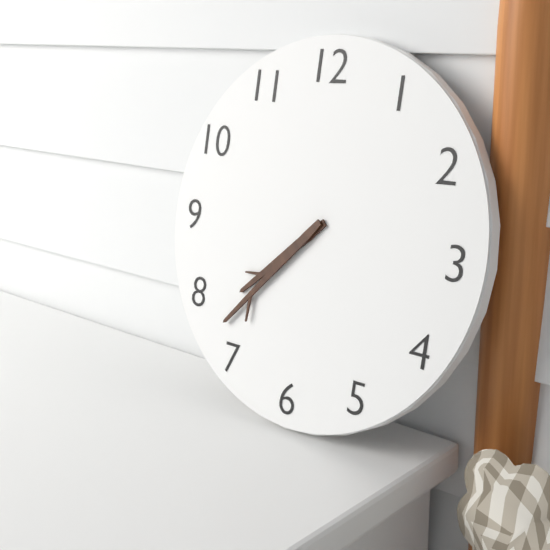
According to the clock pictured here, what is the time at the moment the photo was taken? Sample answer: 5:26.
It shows 7:37
